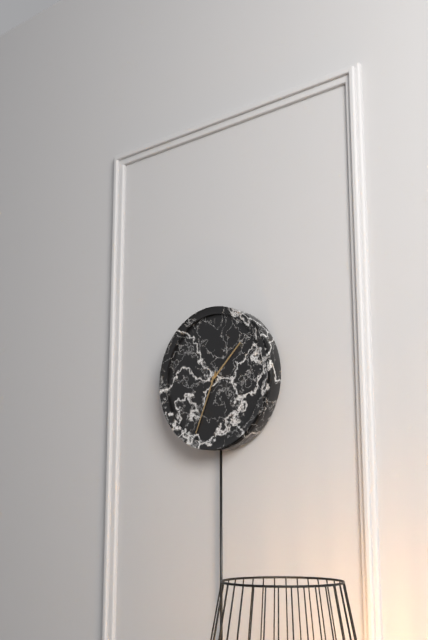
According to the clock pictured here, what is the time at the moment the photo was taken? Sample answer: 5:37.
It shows 1:34
